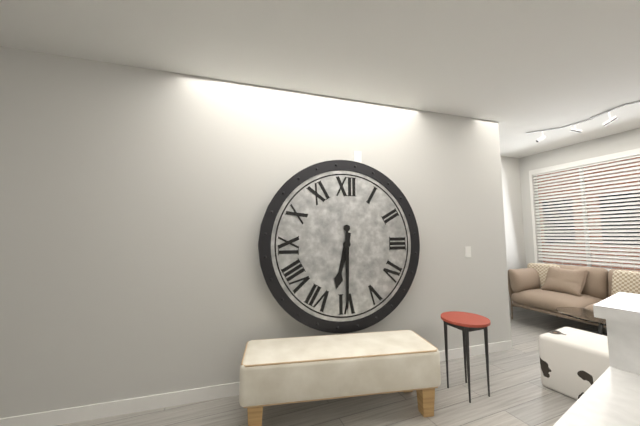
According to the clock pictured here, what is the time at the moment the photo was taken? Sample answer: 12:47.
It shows 6:30
